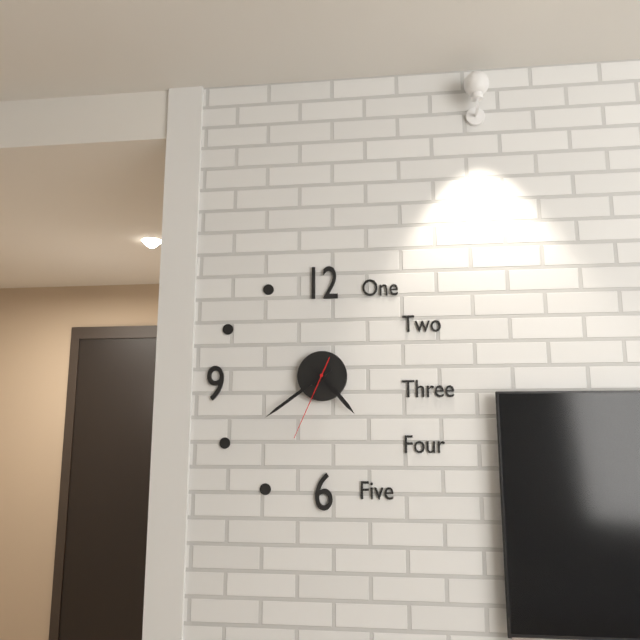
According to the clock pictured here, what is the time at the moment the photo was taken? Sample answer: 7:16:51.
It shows 4:39:34
